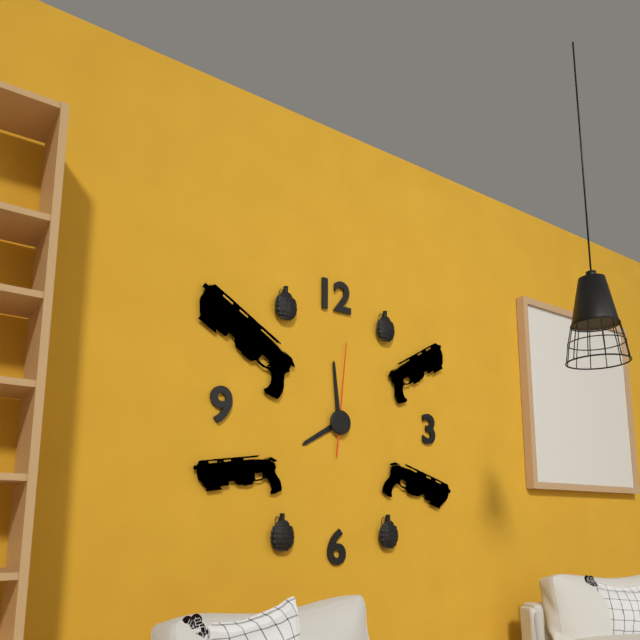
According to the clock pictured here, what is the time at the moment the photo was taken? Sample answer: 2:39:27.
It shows 7:59:01
